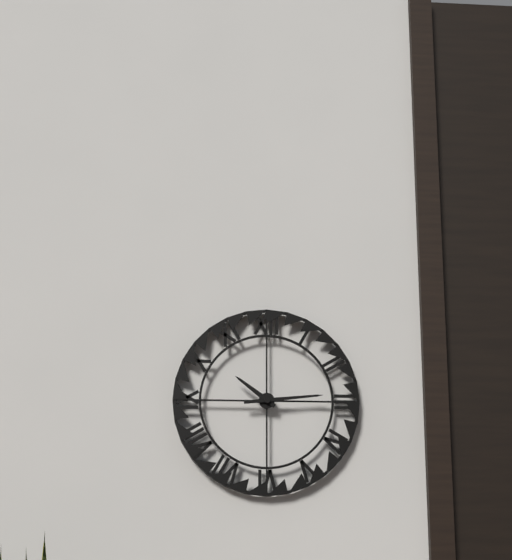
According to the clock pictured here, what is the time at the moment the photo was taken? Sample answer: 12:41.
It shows 10:14
